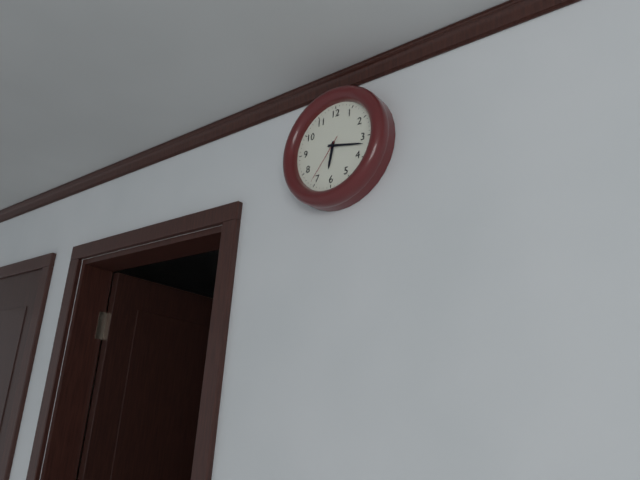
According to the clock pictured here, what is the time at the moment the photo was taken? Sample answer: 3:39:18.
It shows 6:17:36
